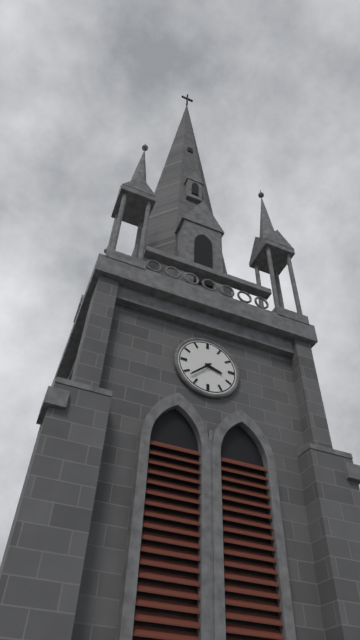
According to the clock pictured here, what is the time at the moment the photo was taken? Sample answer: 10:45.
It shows 3:38
